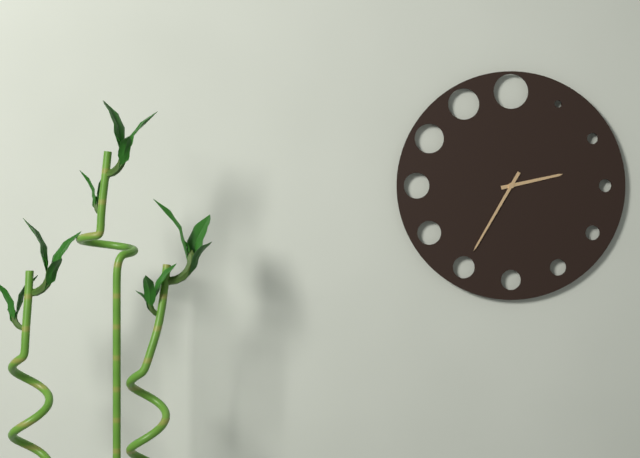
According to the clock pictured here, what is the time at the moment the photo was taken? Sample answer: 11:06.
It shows 2:35
